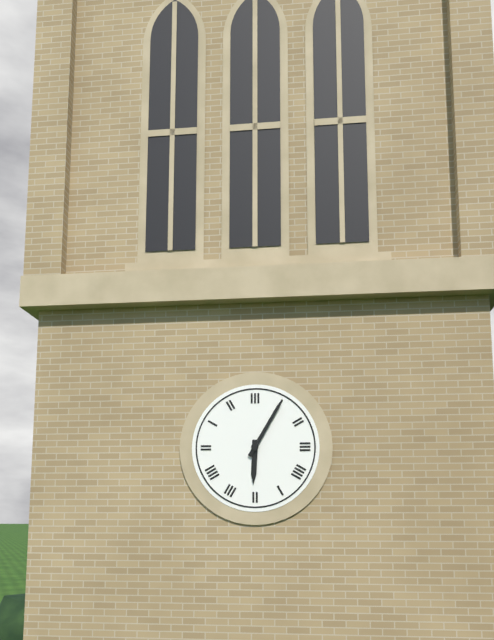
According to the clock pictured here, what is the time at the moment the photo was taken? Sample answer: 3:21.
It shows 6:05
